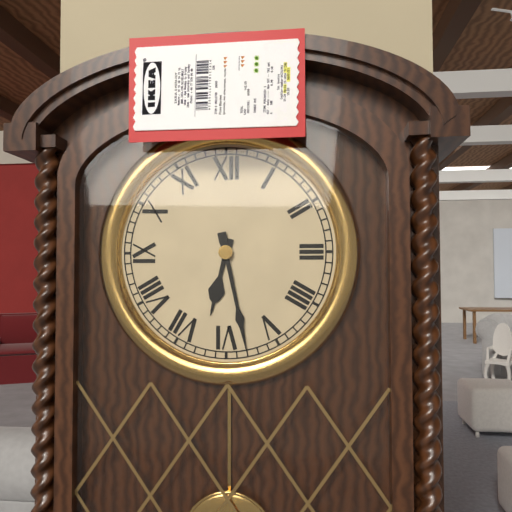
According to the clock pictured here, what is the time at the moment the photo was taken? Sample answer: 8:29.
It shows 6:28
